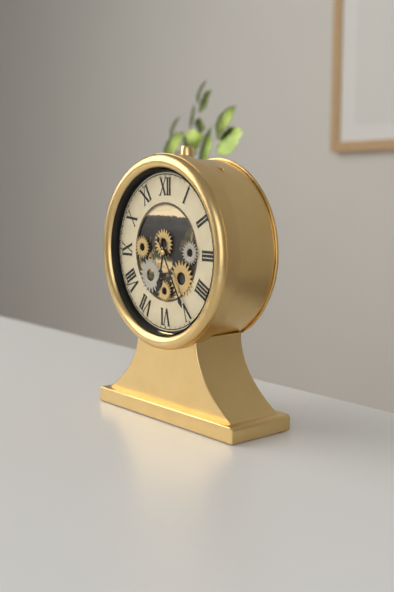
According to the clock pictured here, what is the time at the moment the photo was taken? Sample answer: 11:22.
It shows 6:25
